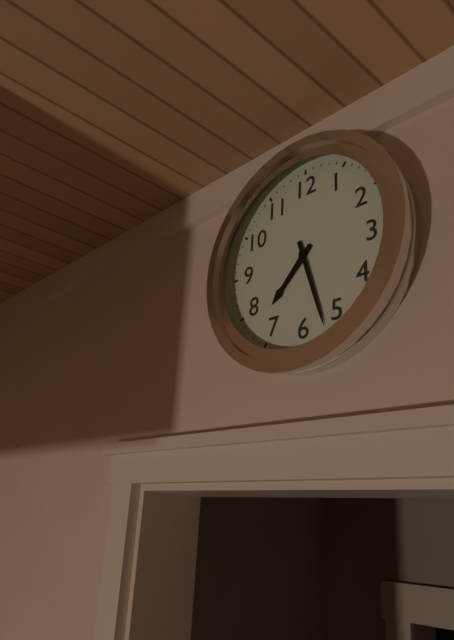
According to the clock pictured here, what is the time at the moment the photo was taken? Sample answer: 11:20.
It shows 7:27
